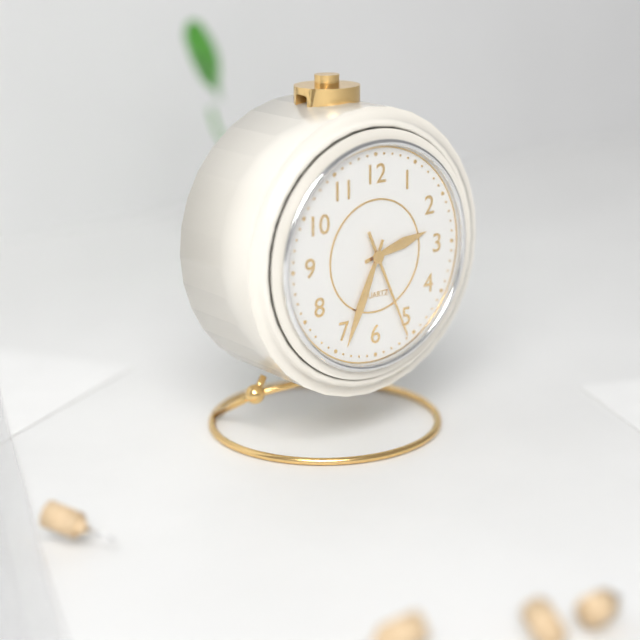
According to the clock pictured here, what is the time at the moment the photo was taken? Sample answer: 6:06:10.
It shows 2:34:26
